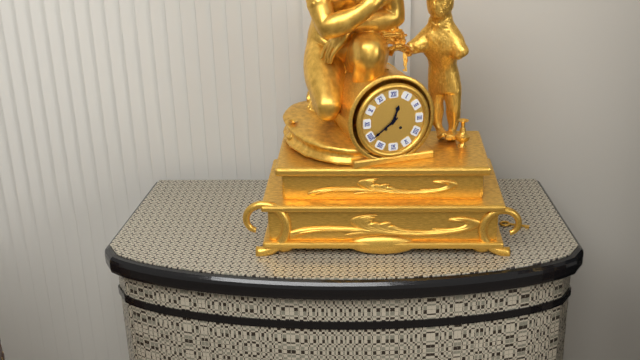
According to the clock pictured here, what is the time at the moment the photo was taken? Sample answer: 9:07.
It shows 12:39
